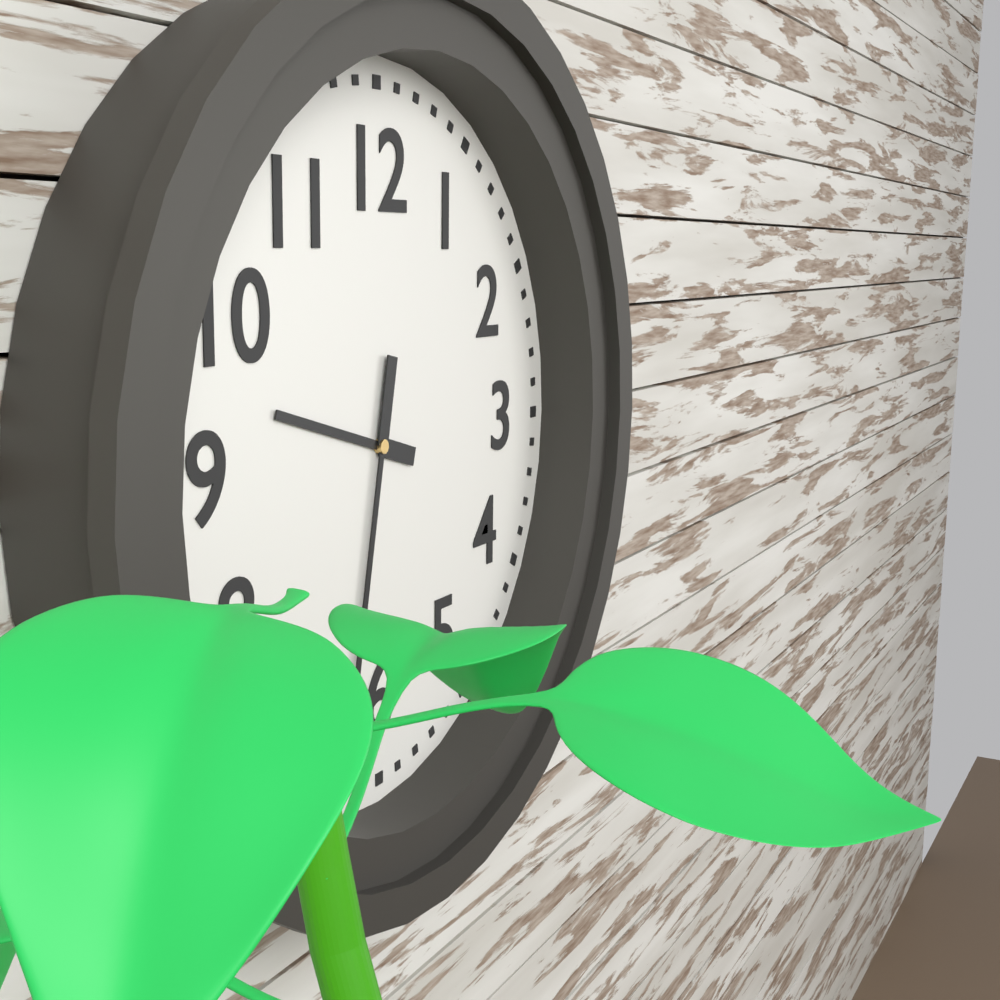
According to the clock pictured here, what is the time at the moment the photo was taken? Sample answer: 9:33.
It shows 9:32
